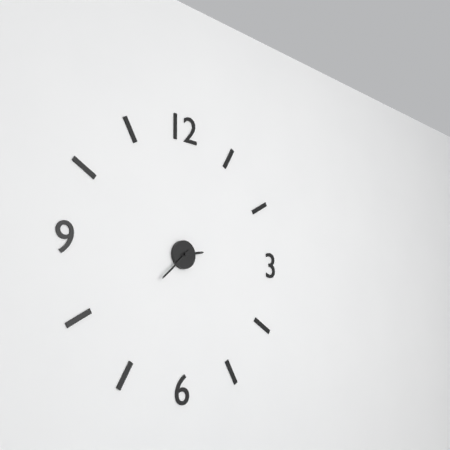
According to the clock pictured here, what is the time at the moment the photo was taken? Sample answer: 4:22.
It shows 2:38
